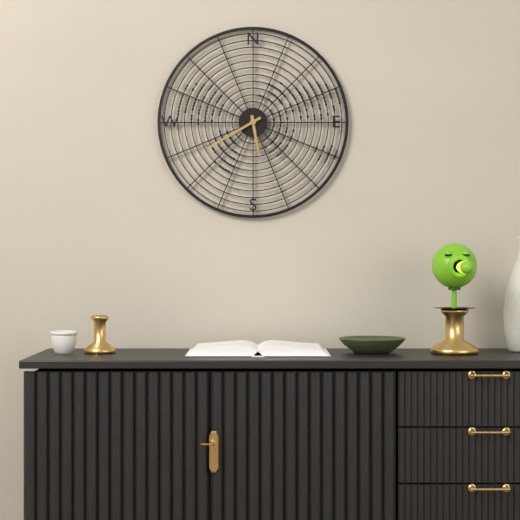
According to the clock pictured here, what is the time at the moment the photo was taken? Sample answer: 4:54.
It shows 5:40
